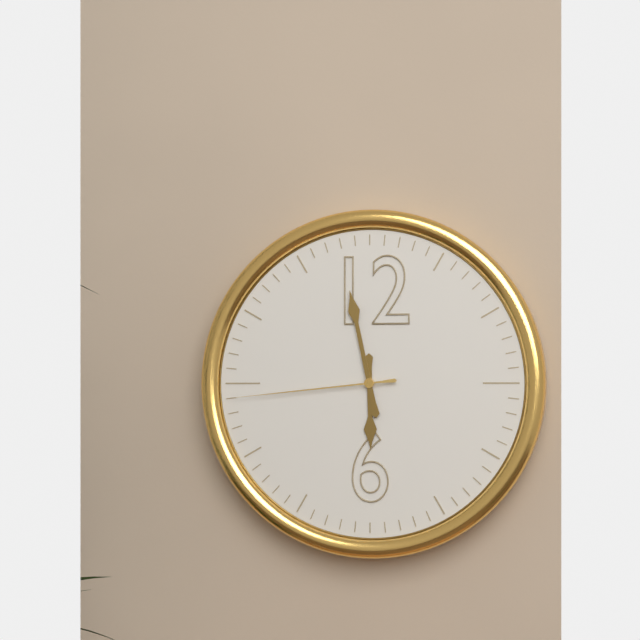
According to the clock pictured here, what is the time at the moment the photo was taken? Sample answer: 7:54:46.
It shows 5:58:44
